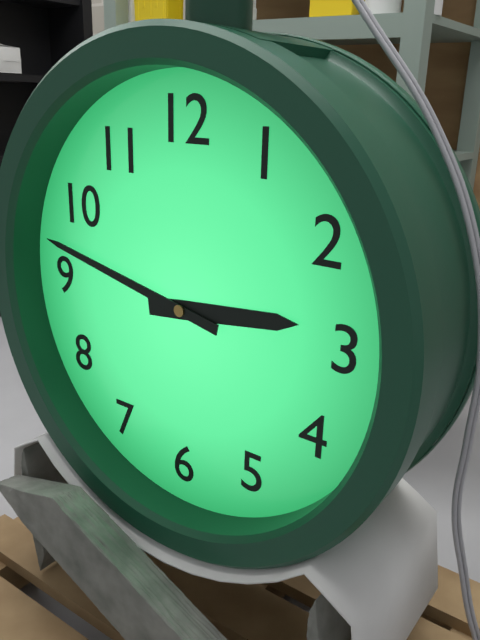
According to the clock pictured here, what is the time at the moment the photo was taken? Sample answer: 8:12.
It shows 2:47
